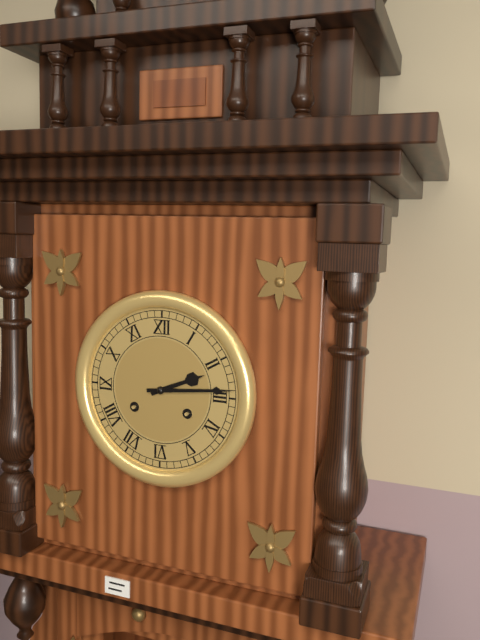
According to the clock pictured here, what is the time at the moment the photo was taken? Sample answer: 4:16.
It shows 2:14
